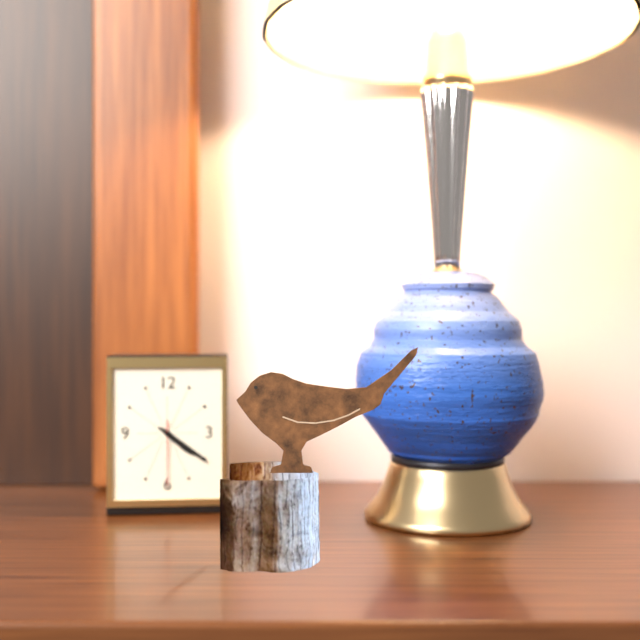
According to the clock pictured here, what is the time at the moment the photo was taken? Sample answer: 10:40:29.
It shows 4:21:30
